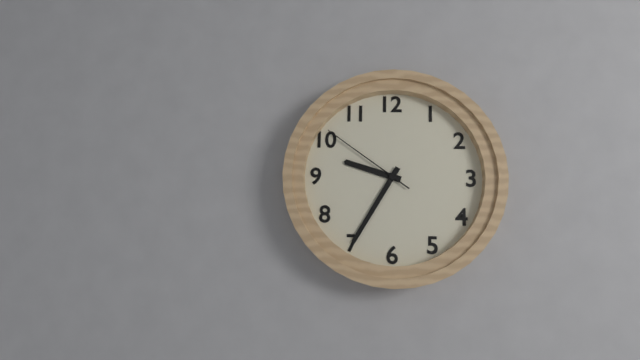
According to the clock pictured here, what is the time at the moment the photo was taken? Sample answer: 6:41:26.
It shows 9:35:51
